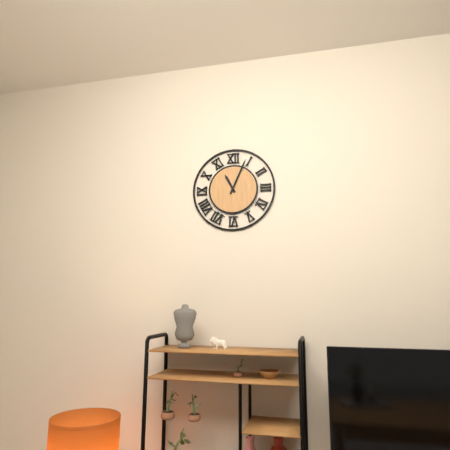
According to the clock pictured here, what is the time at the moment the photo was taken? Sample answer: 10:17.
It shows 11:04
